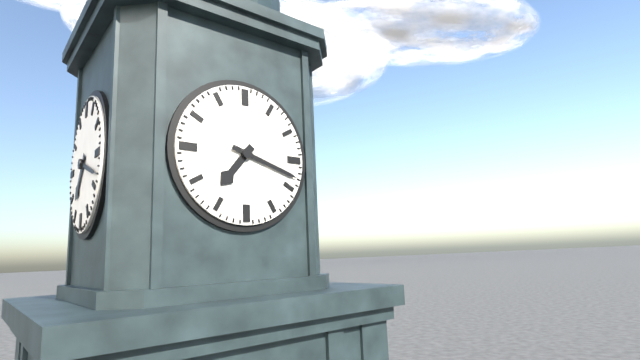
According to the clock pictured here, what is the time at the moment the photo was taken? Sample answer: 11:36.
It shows 7:18
